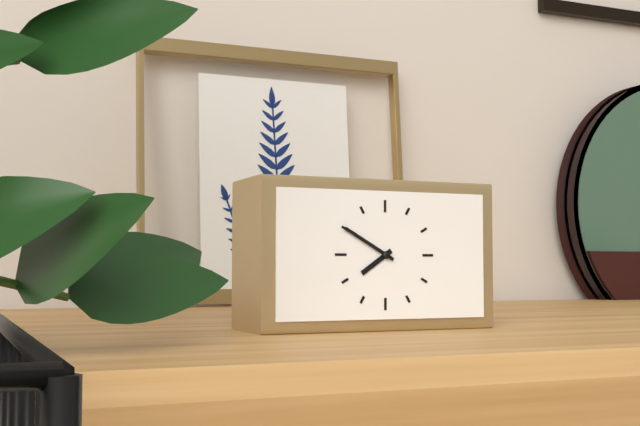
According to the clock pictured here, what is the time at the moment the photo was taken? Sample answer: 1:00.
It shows 7:50
